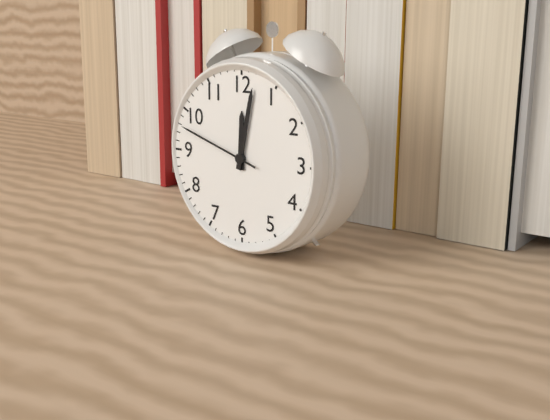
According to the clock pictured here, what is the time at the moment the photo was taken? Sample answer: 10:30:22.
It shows 12:02:48
